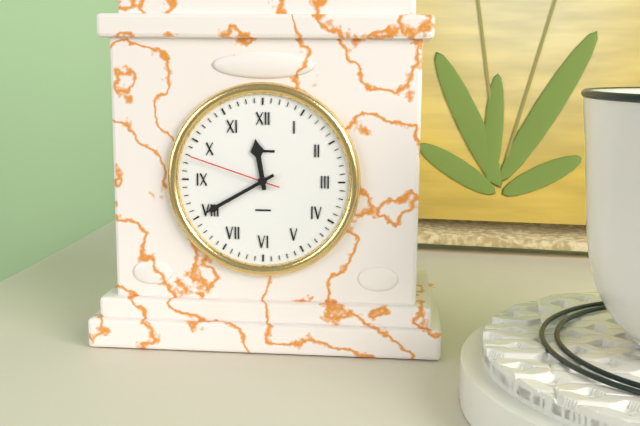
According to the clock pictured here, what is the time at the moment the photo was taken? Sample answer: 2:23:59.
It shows 11:40:48
